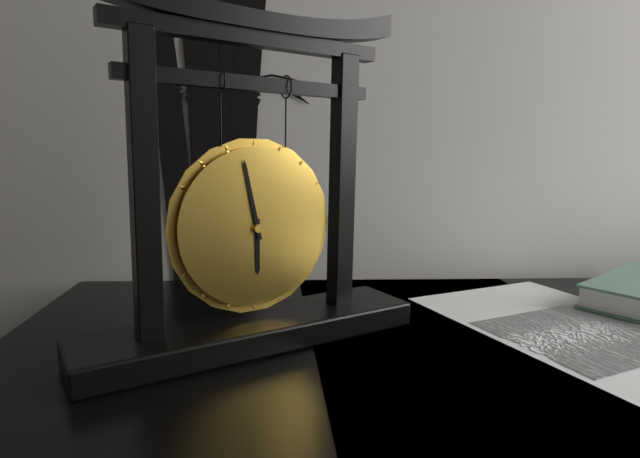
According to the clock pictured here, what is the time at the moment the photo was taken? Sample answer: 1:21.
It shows 5:58
